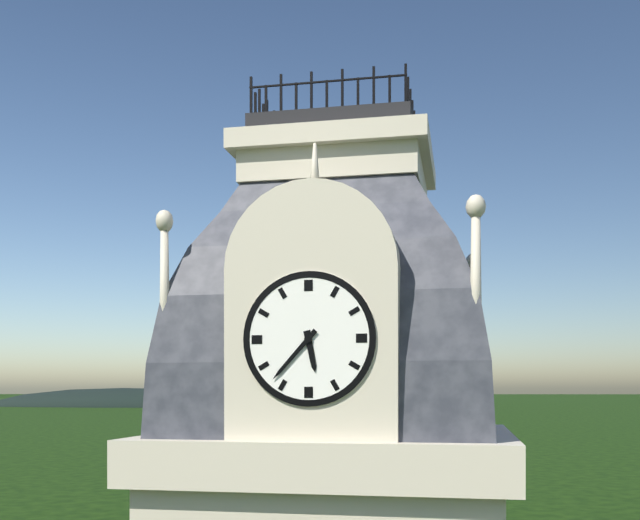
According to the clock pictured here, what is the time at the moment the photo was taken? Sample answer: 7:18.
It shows 5:37
